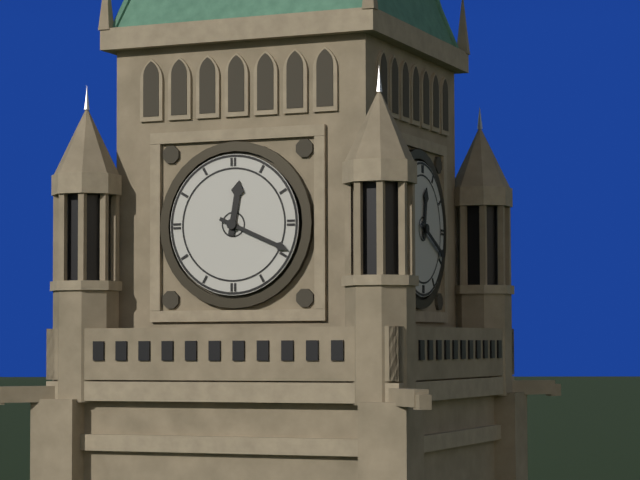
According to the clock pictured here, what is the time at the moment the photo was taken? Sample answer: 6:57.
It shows 12:19
